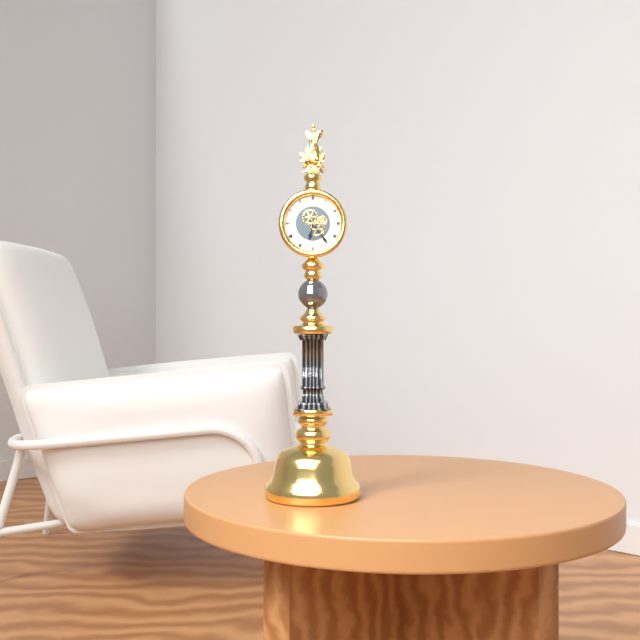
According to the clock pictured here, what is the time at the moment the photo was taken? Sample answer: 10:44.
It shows 6:24
